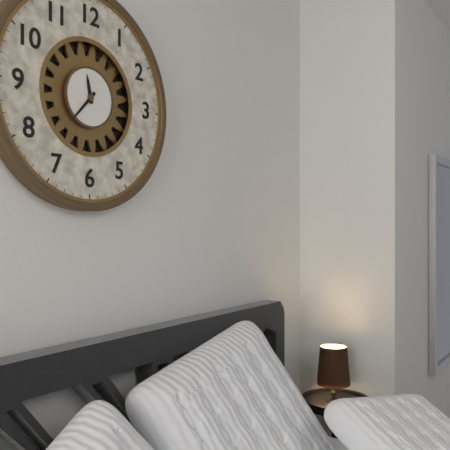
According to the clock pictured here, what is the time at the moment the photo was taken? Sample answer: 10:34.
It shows 11:37
